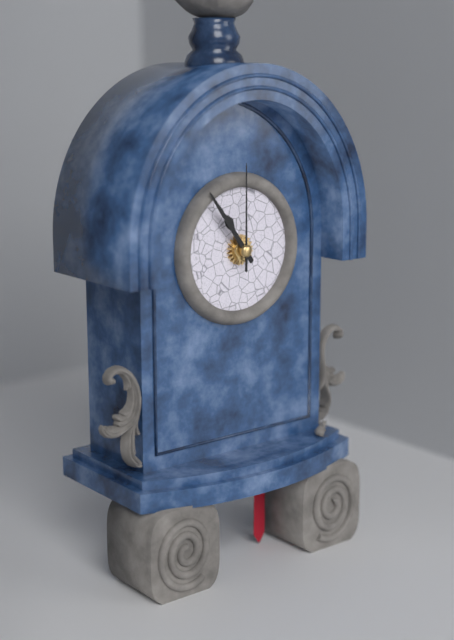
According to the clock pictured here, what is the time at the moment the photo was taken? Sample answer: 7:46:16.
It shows 10:54:00
